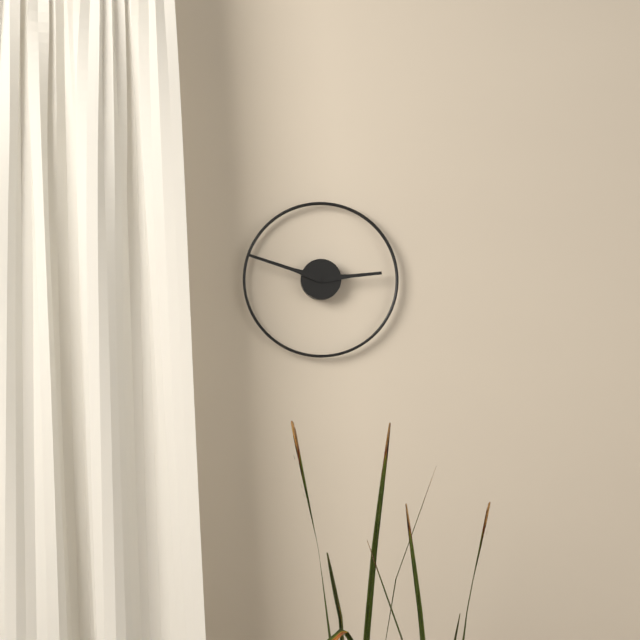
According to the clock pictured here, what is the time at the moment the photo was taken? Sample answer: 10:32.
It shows 2:48
